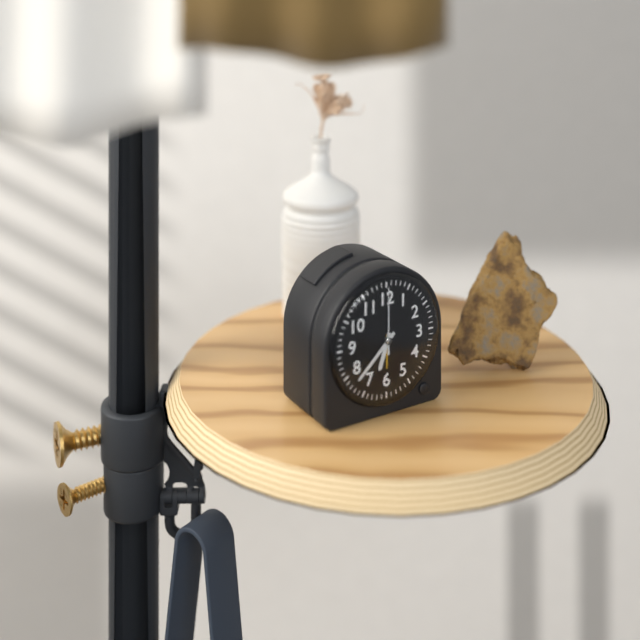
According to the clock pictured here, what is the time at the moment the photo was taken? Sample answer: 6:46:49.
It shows 6:38:00
